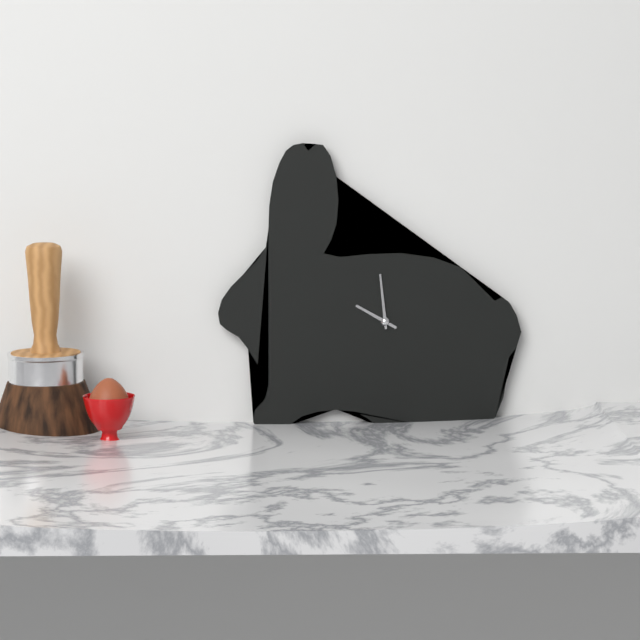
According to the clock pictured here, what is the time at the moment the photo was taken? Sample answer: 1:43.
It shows 9:59
